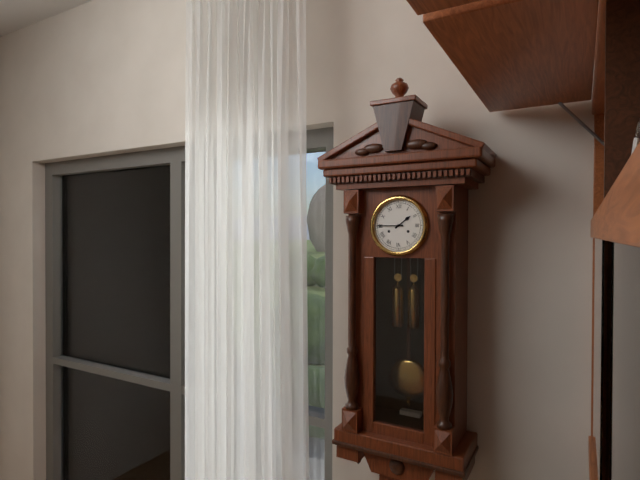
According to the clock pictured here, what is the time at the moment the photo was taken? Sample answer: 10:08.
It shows 1:45
